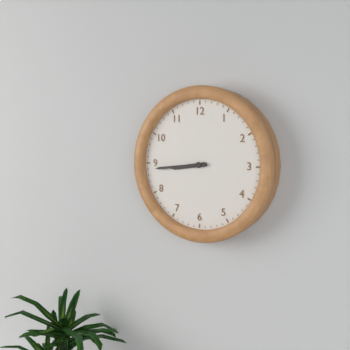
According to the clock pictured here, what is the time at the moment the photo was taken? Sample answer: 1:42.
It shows 8:44
